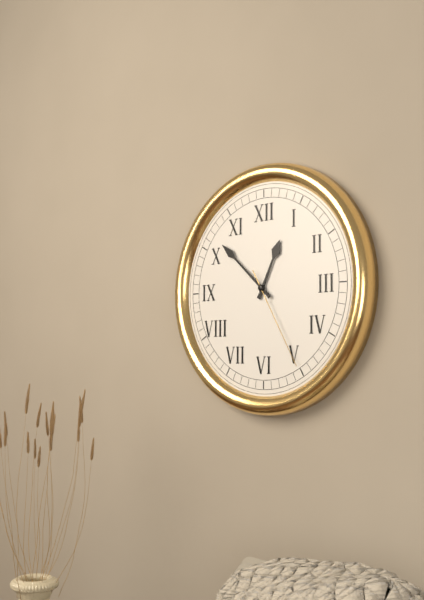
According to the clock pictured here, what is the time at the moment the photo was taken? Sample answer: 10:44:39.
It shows 12:52:25
